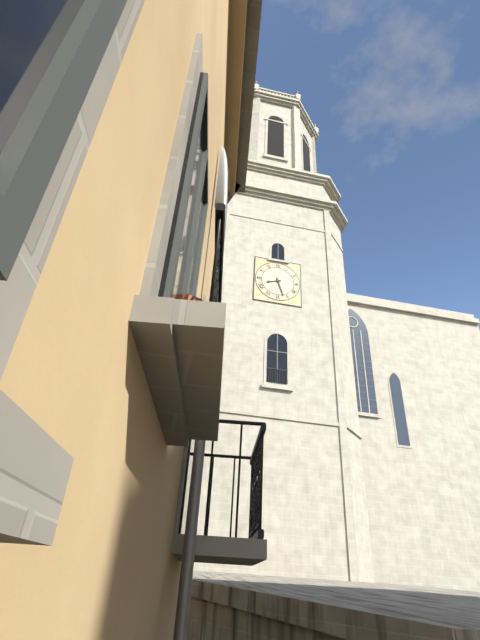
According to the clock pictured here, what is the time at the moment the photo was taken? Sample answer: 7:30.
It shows 8:27
